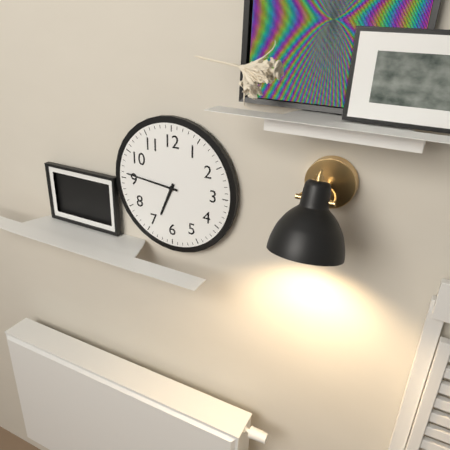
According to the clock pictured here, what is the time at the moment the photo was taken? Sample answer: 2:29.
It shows 6:46
